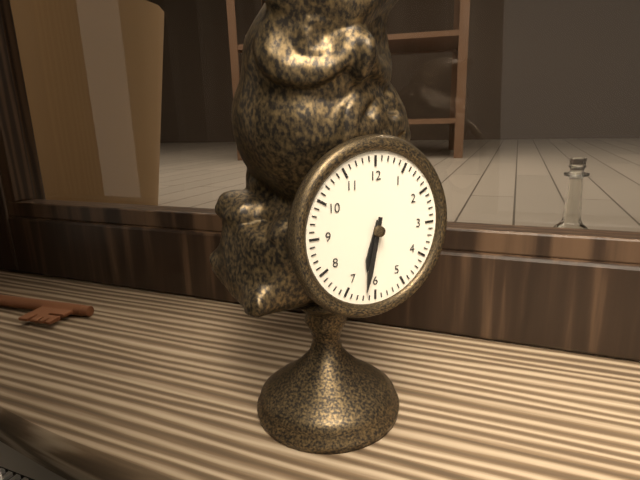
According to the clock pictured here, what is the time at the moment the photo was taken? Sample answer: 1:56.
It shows 6:32
